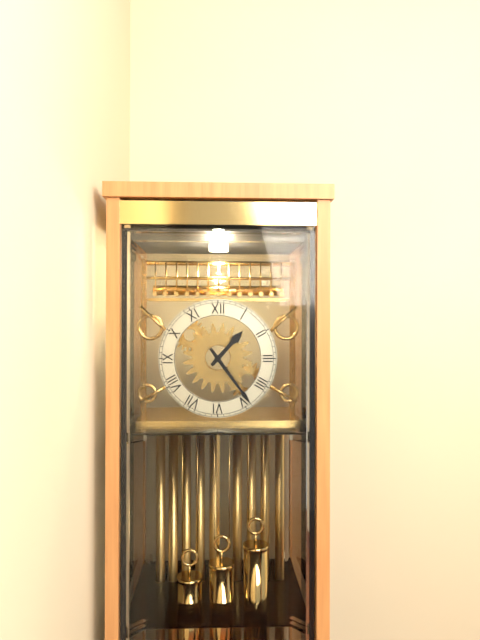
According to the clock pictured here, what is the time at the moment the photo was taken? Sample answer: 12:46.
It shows 1:24
